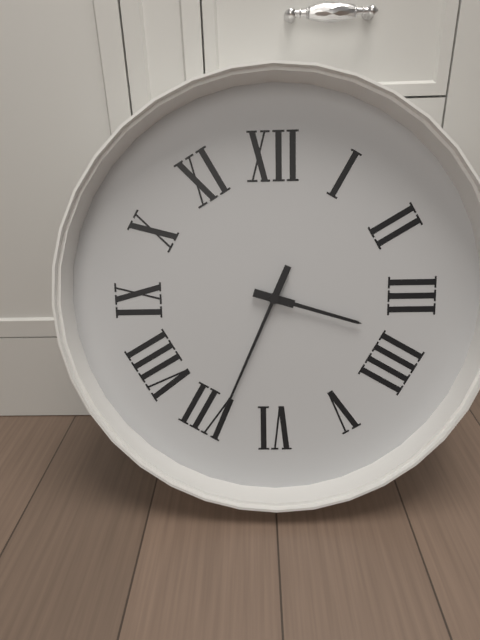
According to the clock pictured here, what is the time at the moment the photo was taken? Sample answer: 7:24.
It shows 3:34
